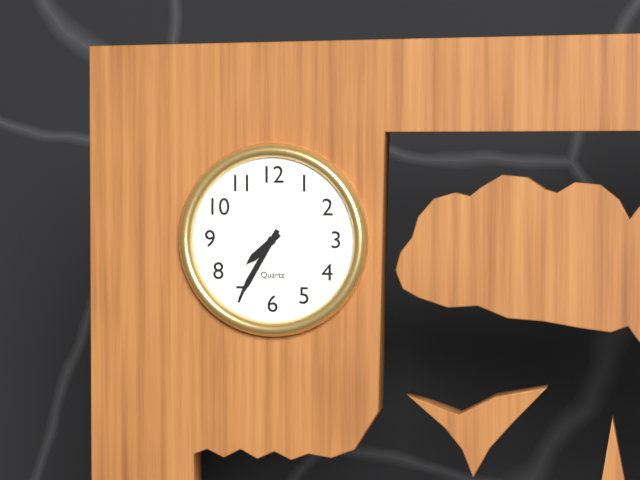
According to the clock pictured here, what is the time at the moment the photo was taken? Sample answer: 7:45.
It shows 7:35
